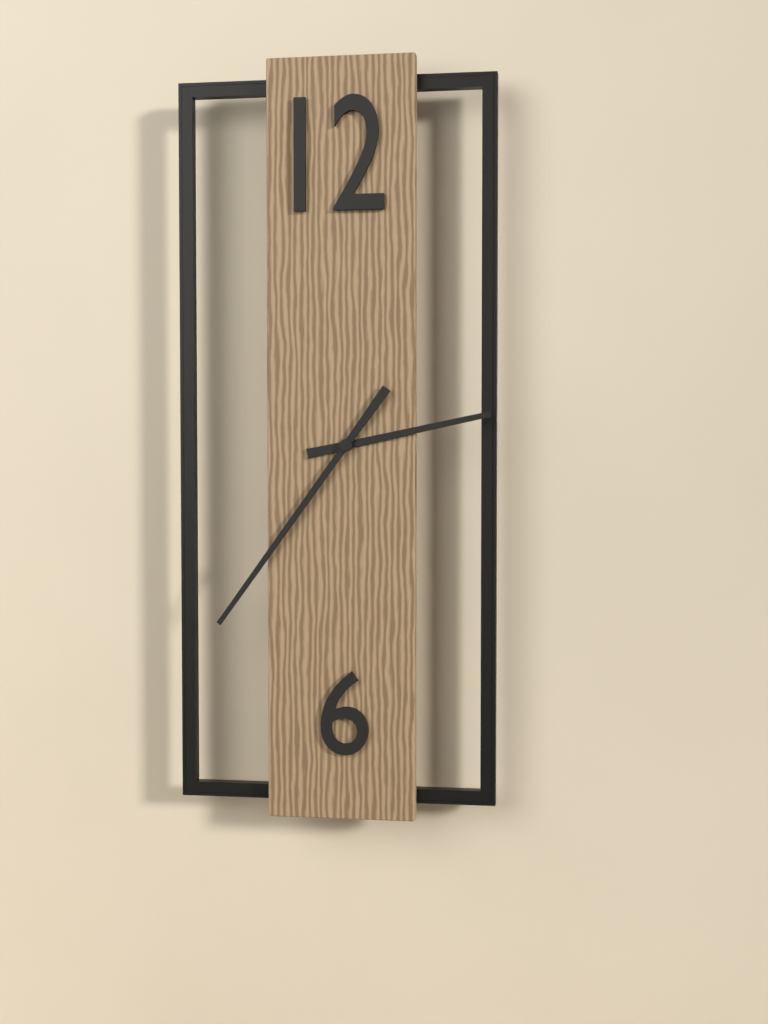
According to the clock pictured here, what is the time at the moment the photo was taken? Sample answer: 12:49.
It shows 2:36
